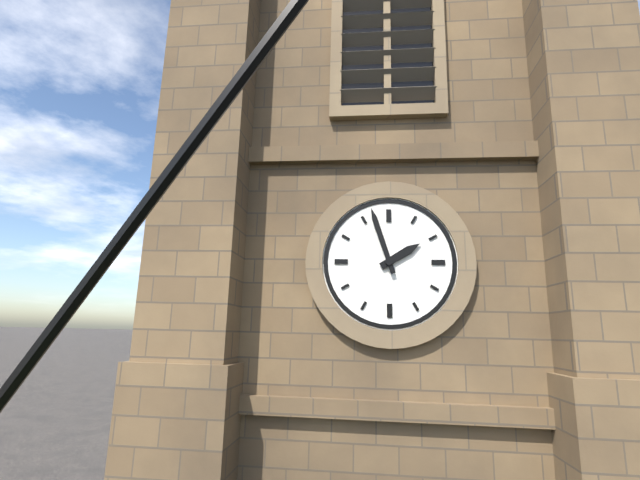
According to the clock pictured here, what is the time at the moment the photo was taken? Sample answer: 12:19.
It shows 1:57
